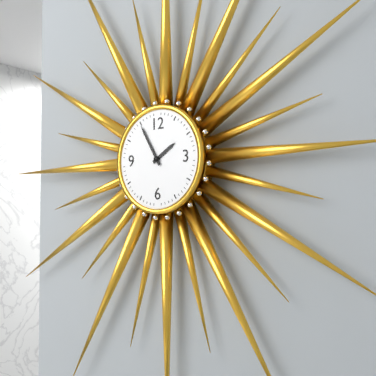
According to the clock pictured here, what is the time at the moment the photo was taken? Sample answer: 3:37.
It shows 1:55
